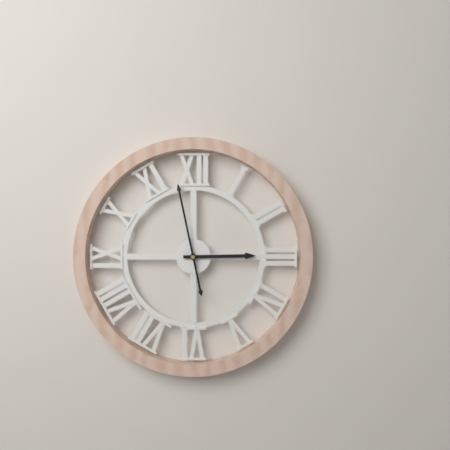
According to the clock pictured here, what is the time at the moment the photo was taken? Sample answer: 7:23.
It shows 2:58
